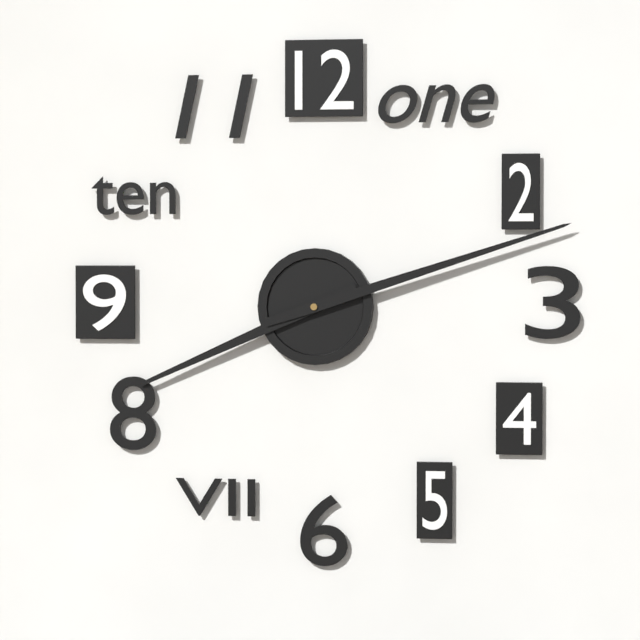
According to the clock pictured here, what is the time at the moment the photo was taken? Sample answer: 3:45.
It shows 8:12
